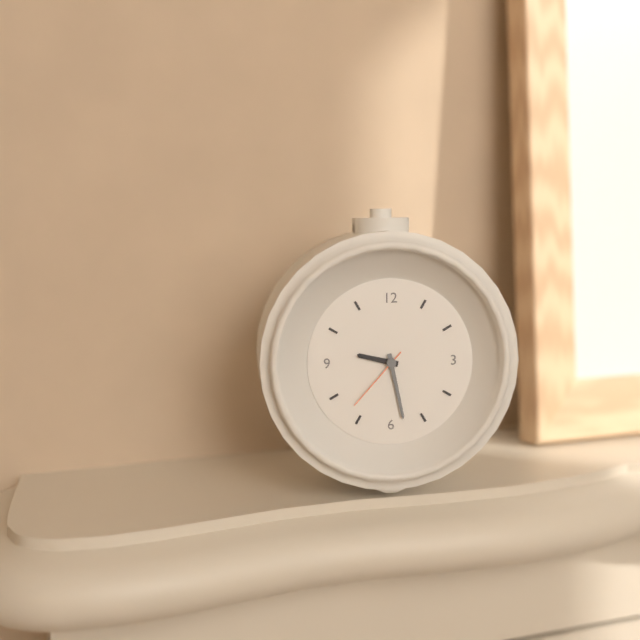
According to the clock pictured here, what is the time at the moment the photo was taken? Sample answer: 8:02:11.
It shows 9:28:37
